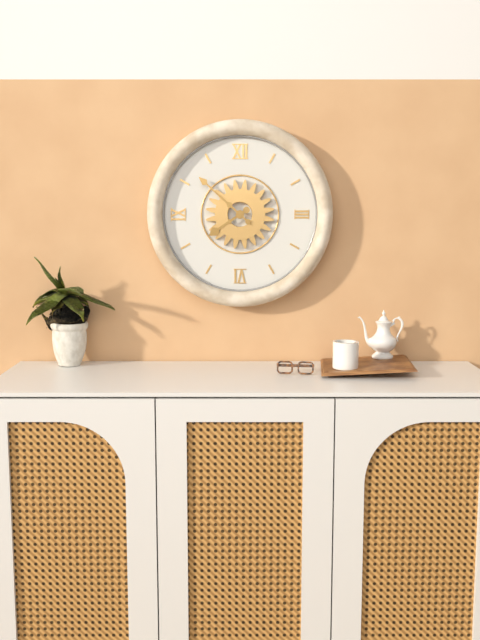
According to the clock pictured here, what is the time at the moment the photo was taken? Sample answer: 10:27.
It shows 7:52
